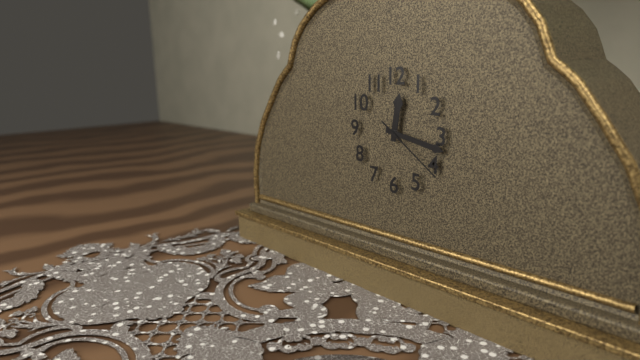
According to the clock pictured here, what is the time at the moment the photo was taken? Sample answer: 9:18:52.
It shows 12:17:21
